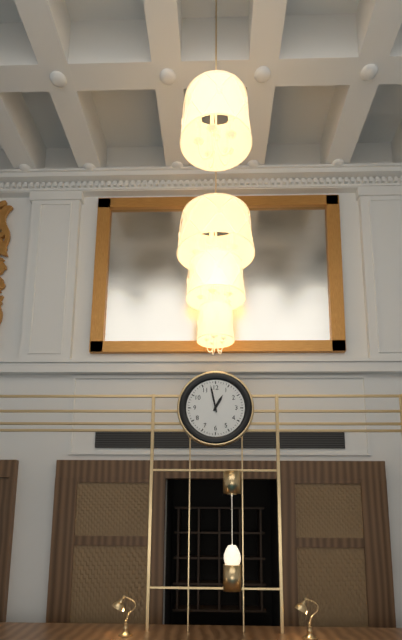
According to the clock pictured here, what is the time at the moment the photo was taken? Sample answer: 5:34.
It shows 12:58
